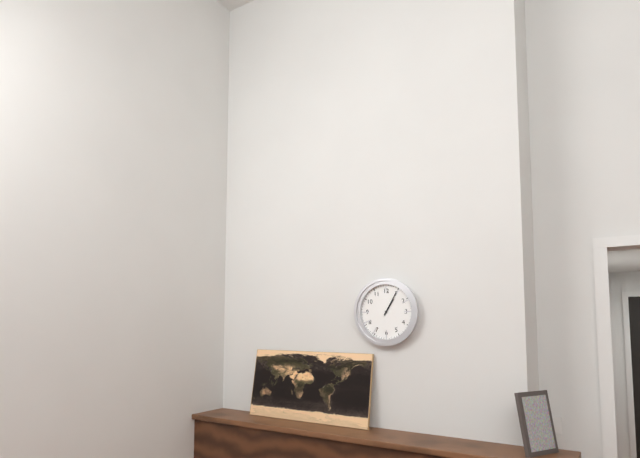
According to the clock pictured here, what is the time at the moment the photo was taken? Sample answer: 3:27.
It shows 1:05
